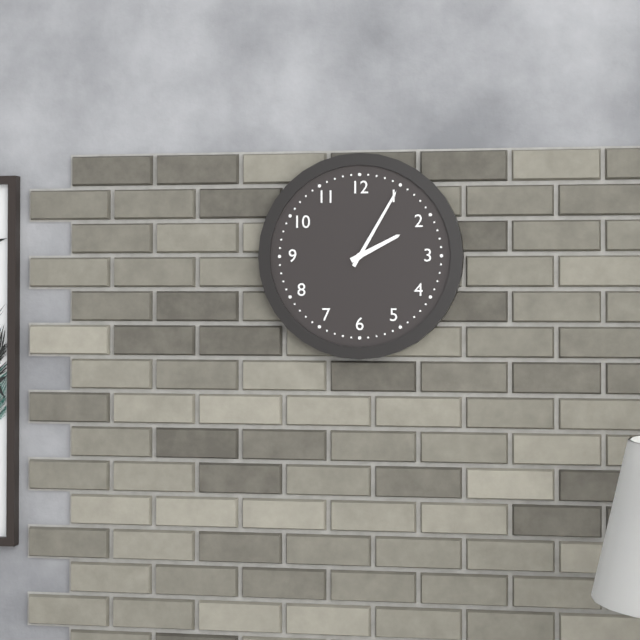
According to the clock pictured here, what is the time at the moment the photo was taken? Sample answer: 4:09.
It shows 2:05
